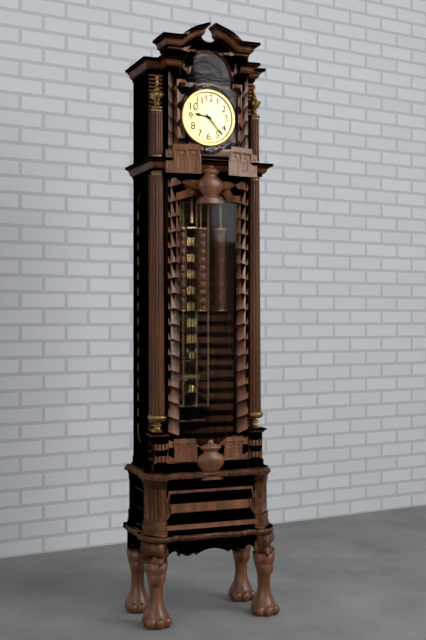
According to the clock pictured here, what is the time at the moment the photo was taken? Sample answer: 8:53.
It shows 9:23
